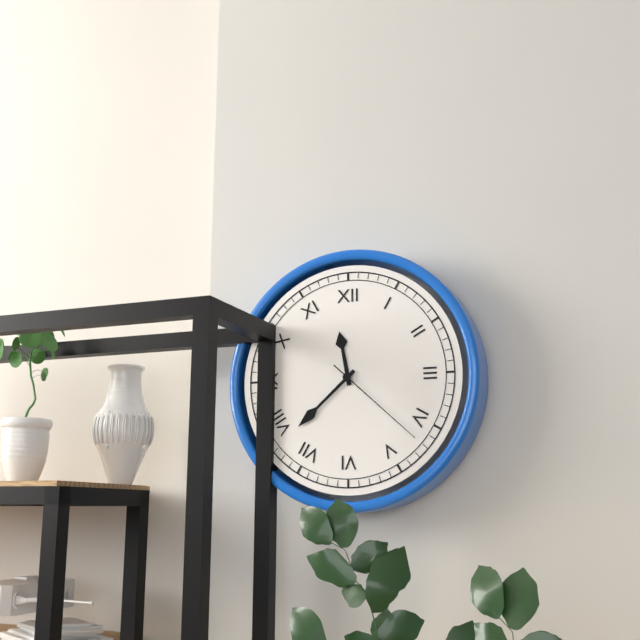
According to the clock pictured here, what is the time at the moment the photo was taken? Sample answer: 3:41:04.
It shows 11:38:22
